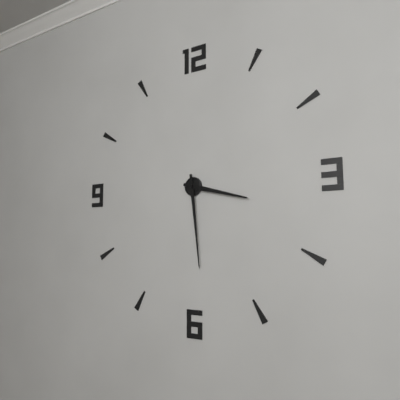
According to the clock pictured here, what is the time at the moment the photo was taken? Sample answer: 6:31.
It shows 3:29
